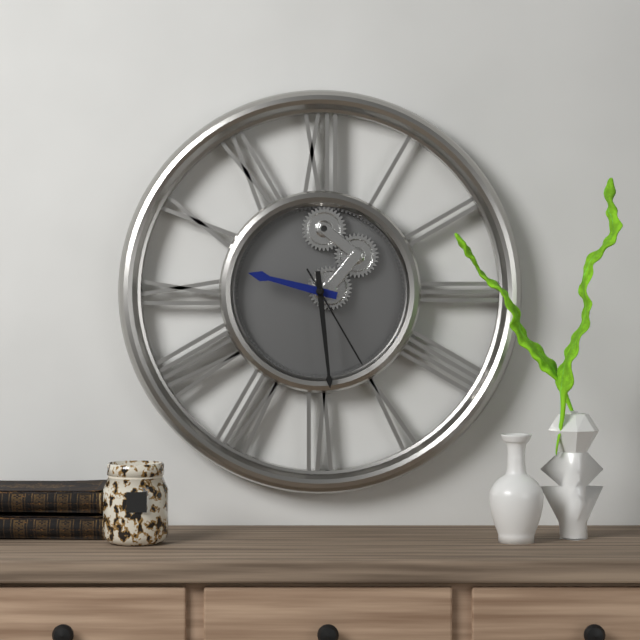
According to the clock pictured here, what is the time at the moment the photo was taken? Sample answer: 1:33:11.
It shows 9:29:25
